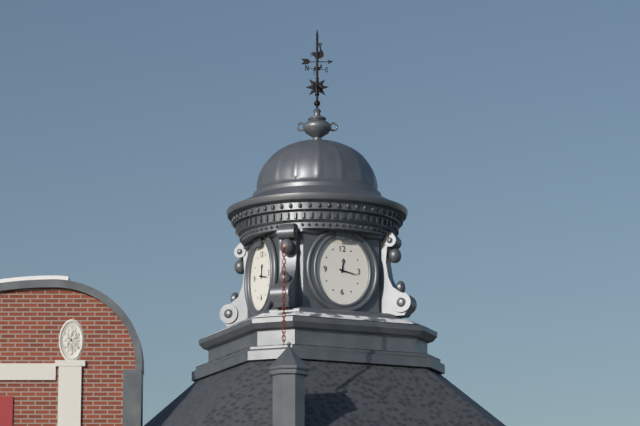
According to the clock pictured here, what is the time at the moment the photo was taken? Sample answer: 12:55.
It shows 12:17
